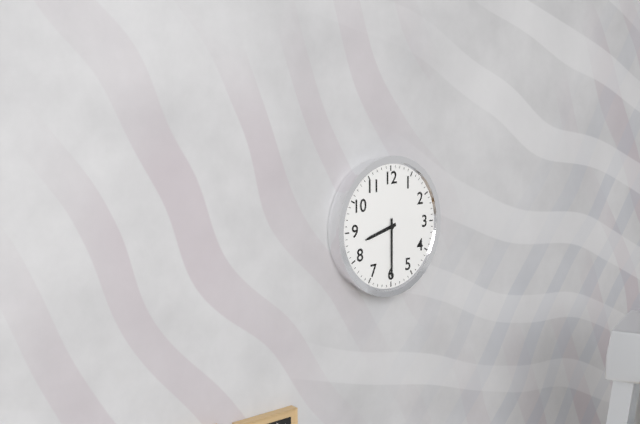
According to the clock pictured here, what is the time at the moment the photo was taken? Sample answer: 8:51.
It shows 8:30
